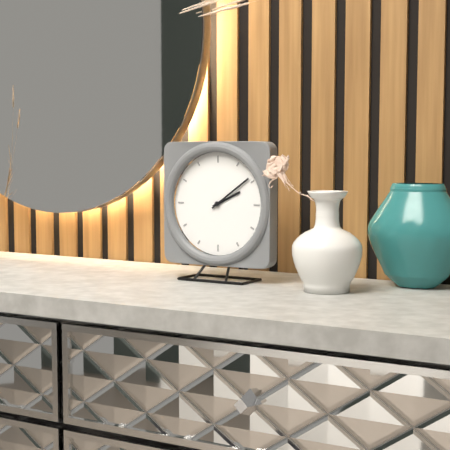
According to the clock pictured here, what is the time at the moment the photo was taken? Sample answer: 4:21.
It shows 2:09
